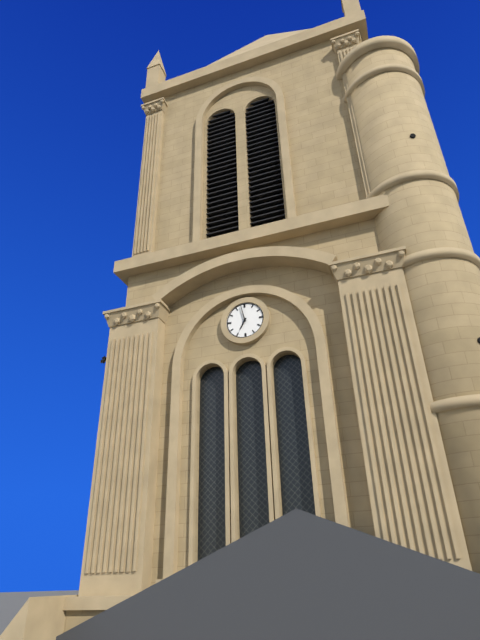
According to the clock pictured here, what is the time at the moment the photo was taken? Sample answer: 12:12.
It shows 6:58
